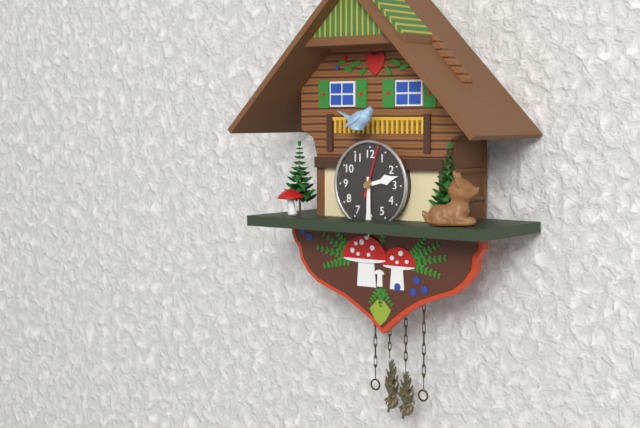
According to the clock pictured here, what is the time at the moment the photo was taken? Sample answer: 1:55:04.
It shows 2:30:03
